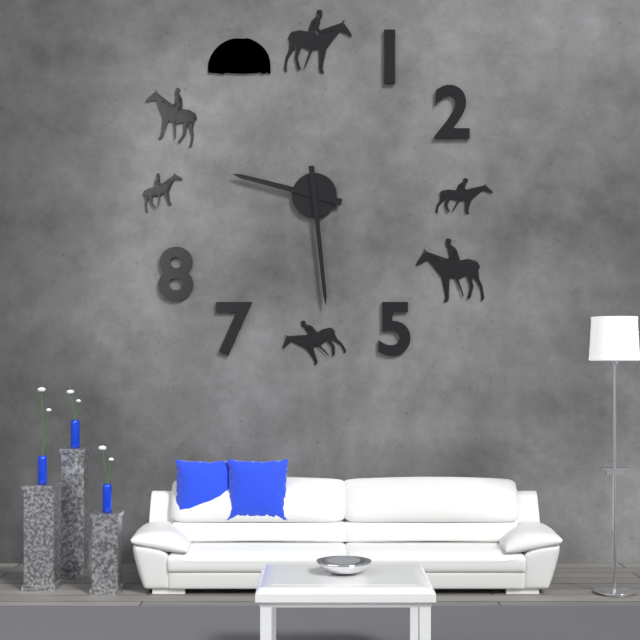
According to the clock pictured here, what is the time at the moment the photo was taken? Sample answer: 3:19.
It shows 9:29
